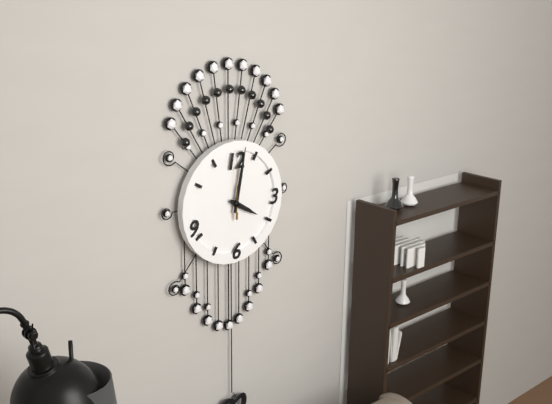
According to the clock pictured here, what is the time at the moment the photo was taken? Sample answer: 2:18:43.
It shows 4:02:00
